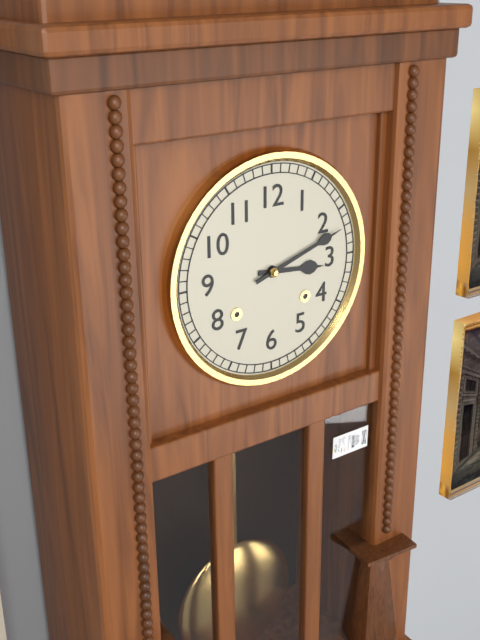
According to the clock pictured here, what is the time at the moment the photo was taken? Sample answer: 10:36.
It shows 3:12
